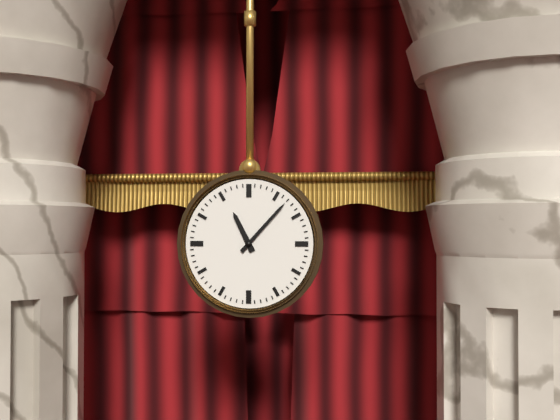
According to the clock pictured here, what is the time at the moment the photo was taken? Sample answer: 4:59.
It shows 11:07
